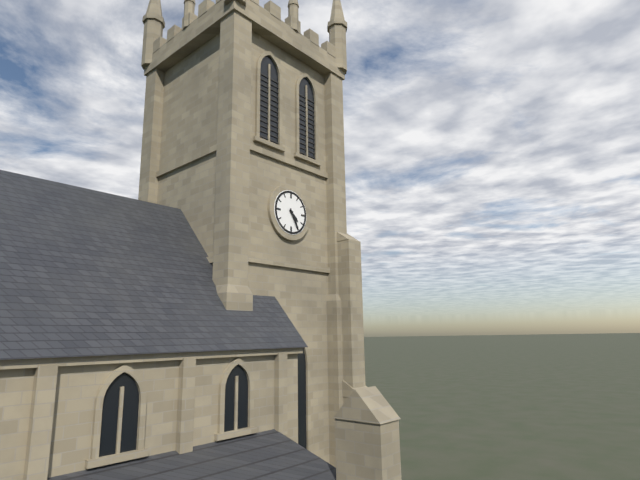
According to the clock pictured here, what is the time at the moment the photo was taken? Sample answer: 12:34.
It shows 4:25
